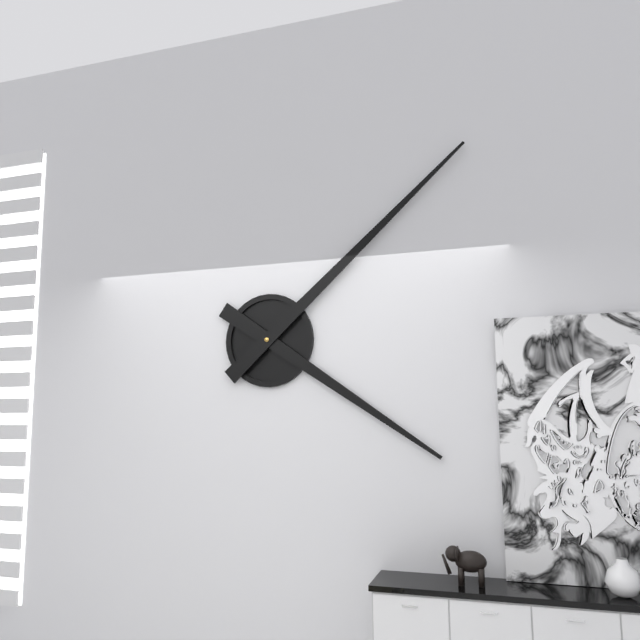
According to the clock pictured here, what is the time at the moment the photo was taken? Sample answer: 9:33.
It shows 4:08
